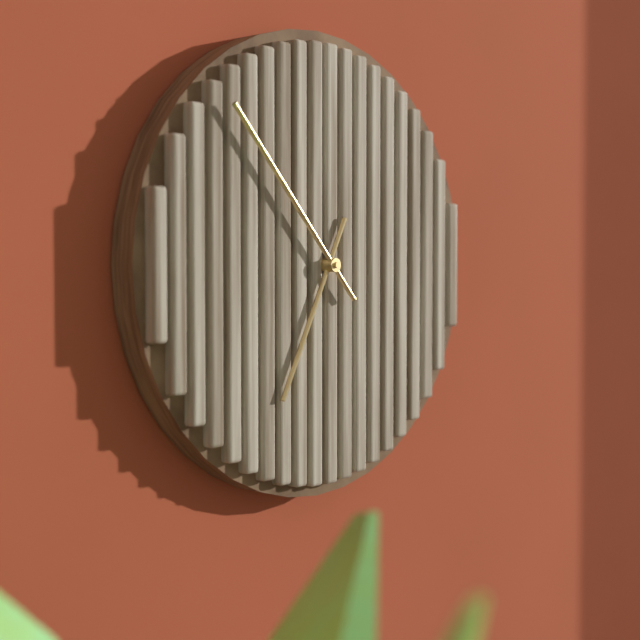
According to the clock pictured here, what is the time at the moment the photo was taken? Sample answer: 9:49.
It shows 6:53
